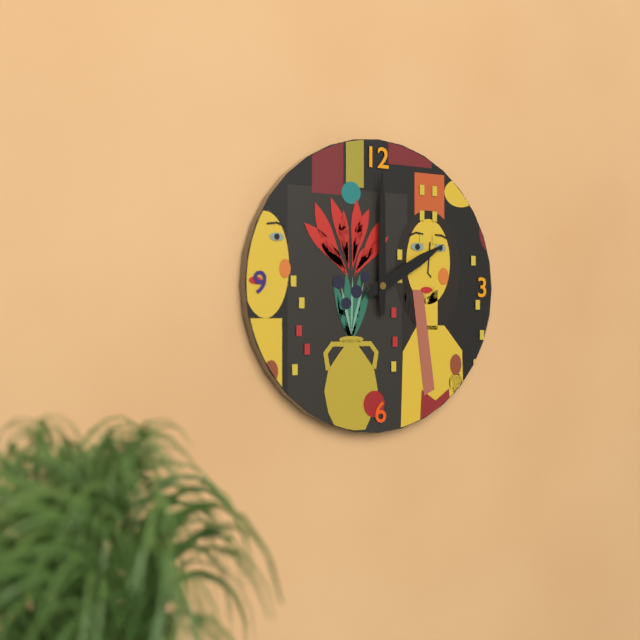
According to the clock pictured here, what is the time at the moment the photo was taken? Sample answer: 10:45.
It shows 2:00
